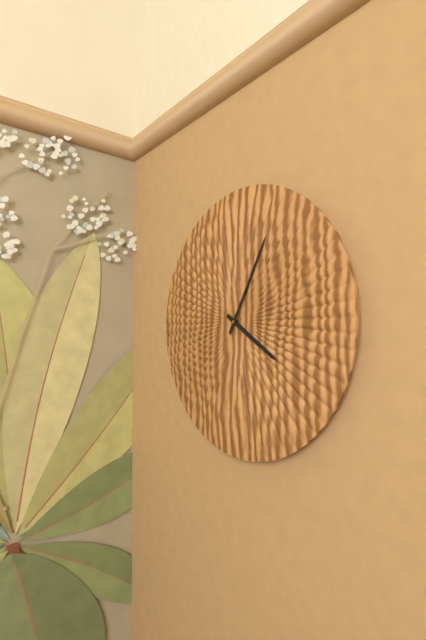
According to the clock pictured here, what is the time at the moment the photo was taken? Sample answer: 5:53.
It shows 4:05
